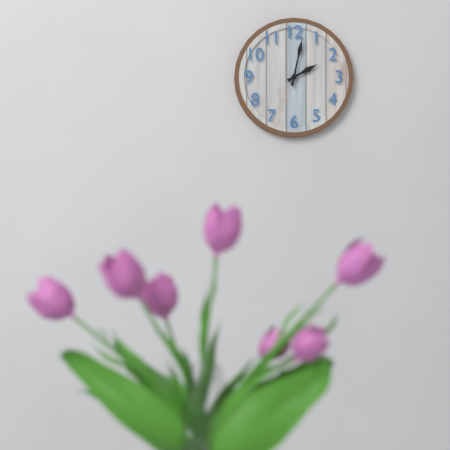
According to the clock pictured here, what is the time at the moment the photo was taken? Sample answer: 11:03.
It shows 2:02
